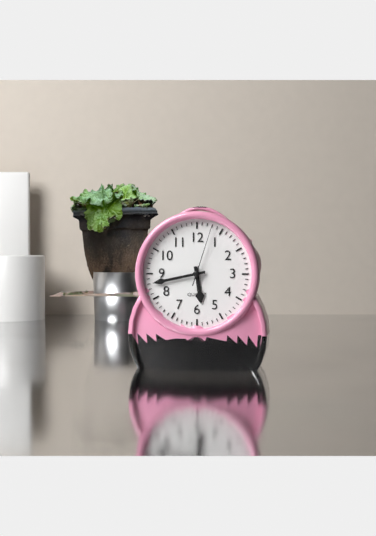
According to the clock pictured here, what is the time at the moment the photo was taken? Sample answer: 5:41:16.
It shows 5:43:03
